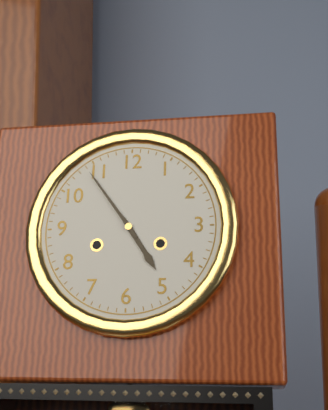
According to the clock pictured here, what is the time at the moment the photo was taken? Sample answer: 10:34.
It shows 4:54
